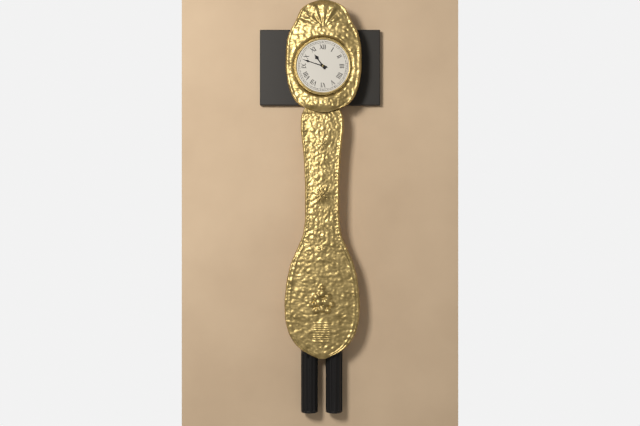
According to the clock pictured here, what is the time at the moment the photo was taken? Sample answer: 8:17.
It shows 10:48
